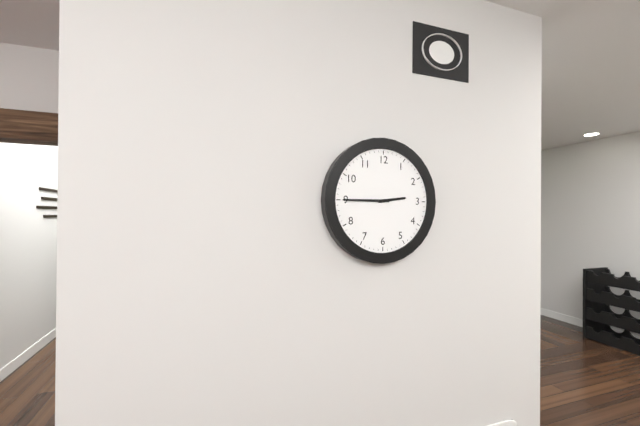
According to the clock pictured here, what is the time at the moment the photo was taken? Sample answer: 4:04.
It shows 2:45
